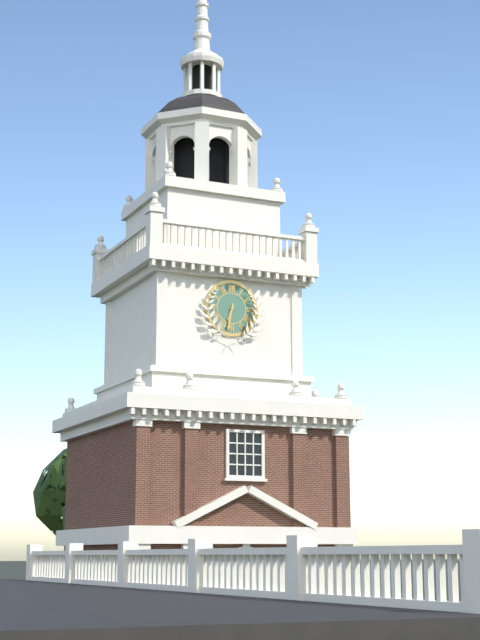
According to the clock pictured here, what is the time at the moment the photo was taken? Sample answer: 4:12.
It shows 6:32
